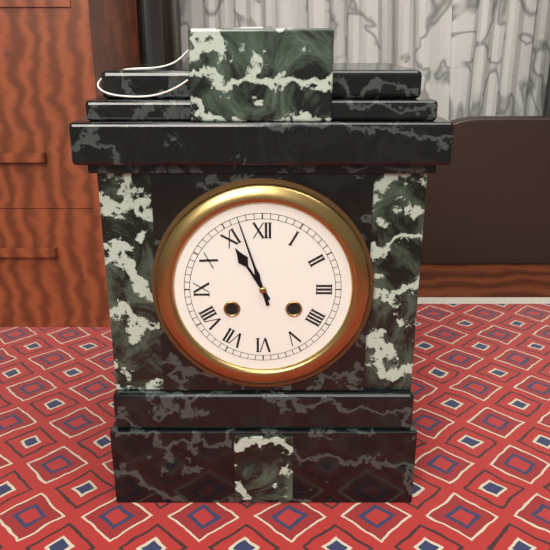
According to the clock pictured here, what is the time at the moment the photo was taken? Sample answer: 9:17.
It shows 10:57
